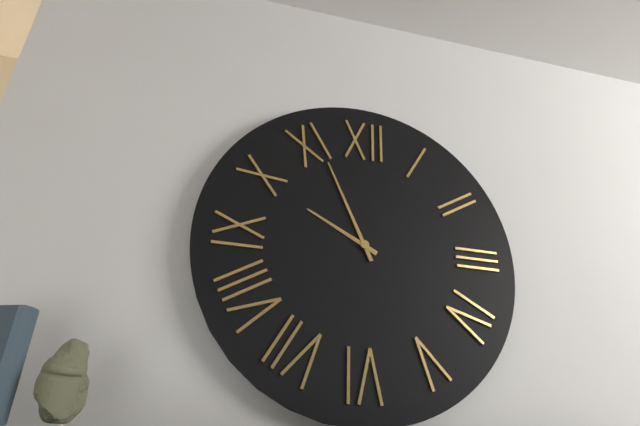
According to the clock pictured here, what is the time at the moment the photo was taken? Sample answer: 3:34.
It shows 9:56
